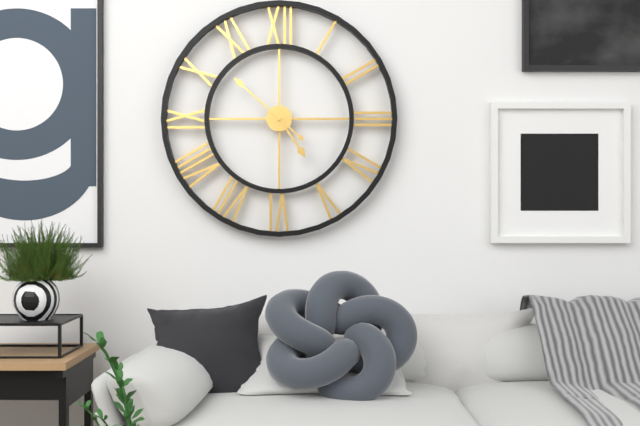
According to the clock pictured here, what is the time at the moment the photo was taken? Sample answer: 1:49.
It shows 4:52
